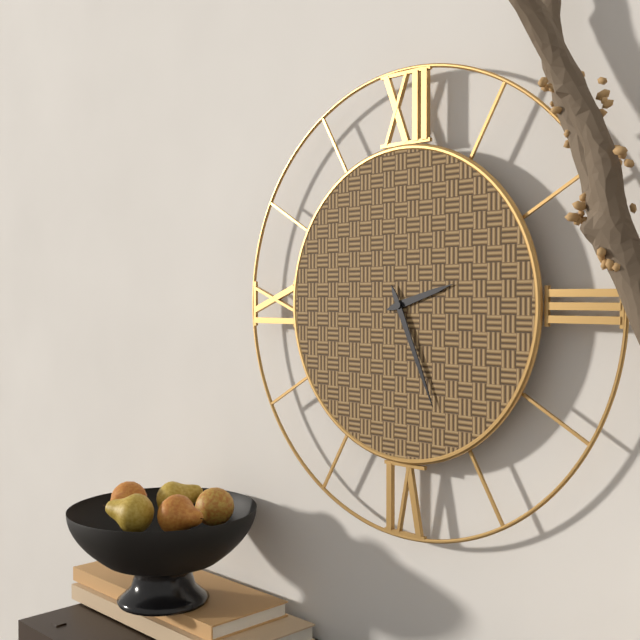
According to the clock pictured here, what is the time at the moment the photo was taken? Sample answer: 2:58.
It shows 2:26
